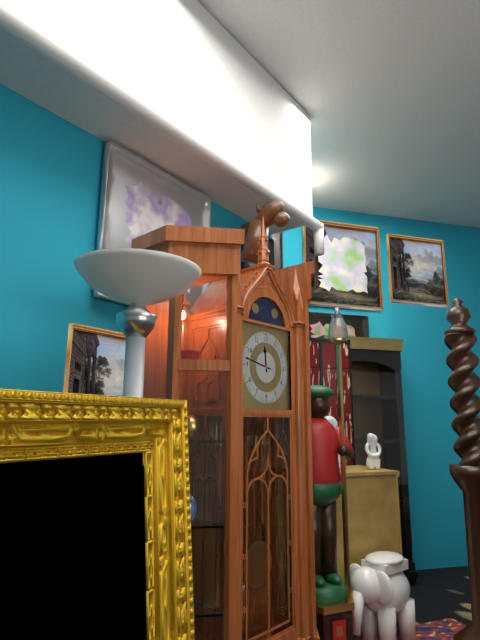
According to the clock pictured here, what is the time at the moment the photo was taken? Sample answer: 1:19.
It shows 11:47
